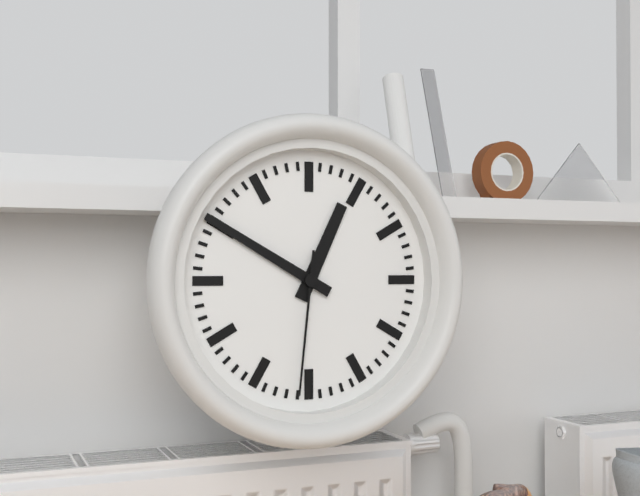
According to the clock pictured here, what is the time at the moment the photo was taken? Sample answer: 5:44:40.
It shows 12:50:31
